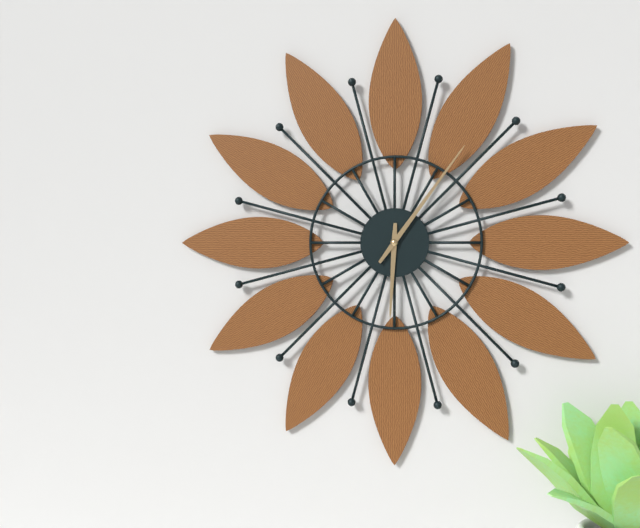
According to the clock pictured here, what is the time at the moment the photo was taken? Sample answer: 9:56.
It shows 6:06
